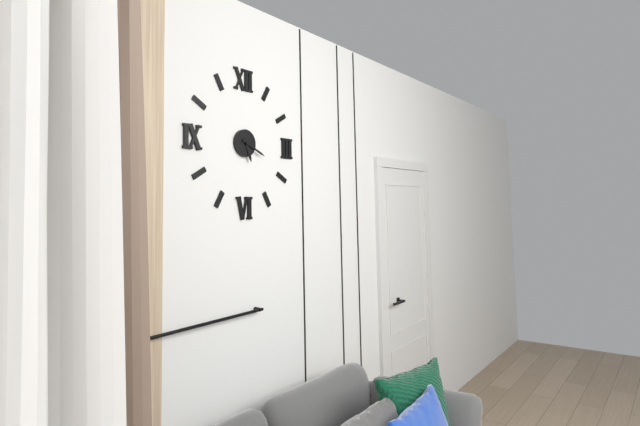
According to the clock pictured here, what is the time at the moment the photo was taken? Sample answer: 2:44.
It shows 5:19
